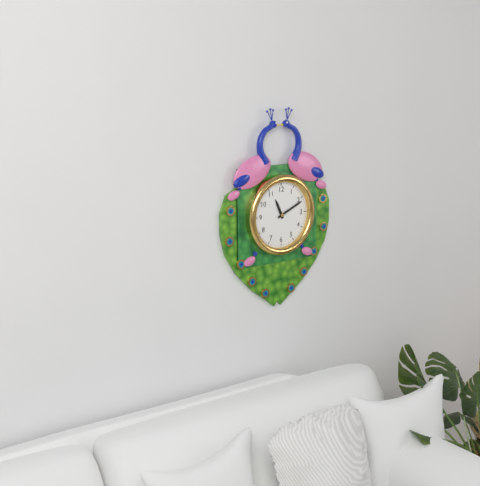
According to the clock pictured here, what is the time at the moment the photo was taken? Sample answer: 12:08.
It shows 11:11
